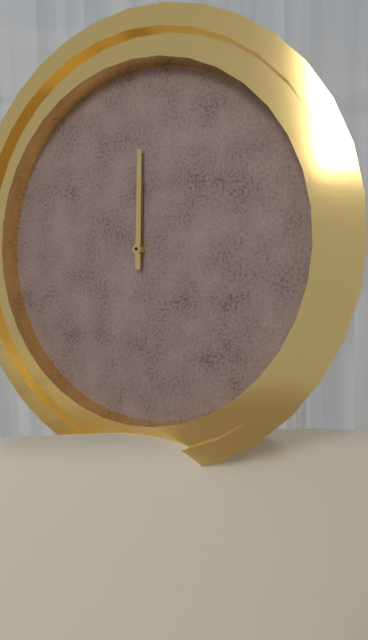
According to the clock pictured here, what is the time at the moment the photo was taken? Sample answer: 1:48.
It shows 12:00
